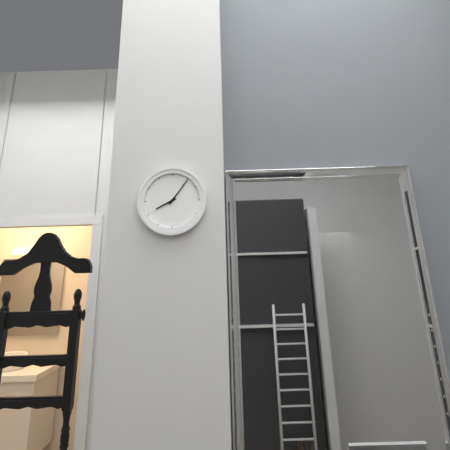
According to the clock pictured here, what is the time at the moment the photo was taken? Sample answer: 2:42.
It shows 8:06
